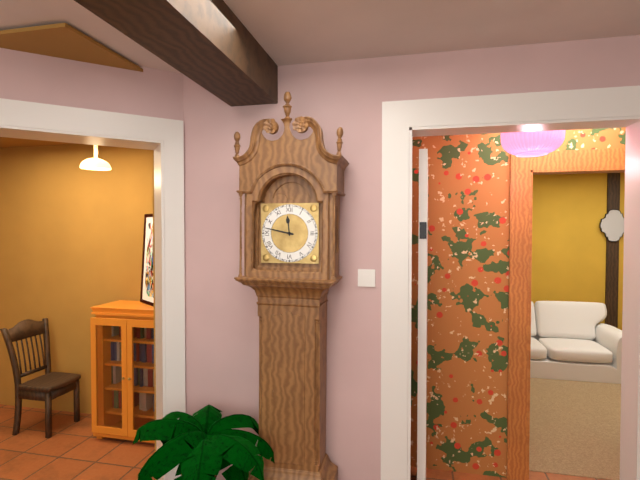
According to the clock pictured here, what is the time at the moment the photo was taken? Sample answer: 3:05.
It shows 11:47
